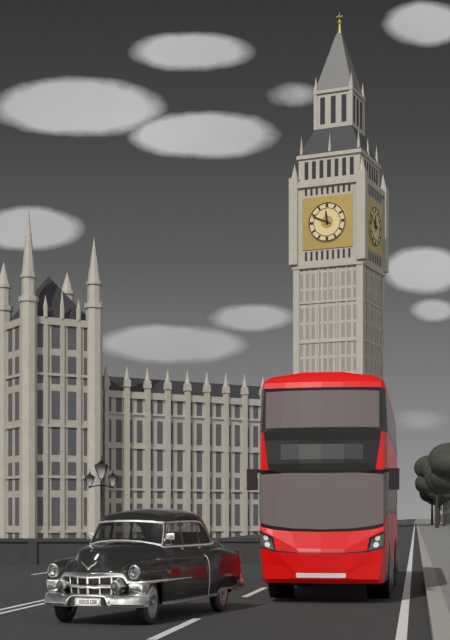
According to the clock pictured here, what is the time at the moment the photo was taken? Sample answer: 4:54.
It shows 11:49
